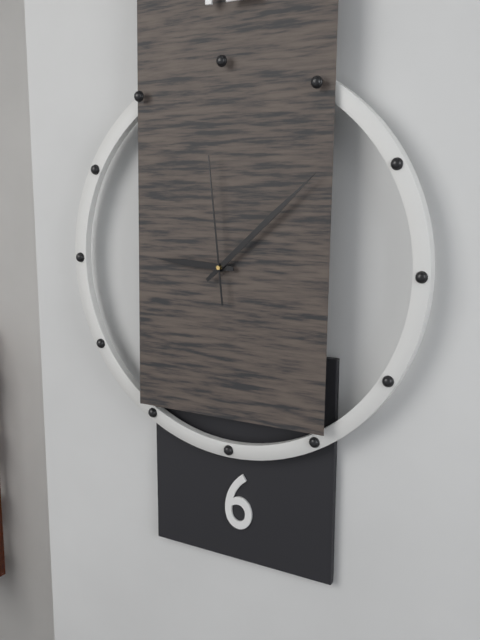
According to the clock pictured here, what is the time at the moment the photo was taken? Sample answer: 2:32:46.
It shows 9:08:59
